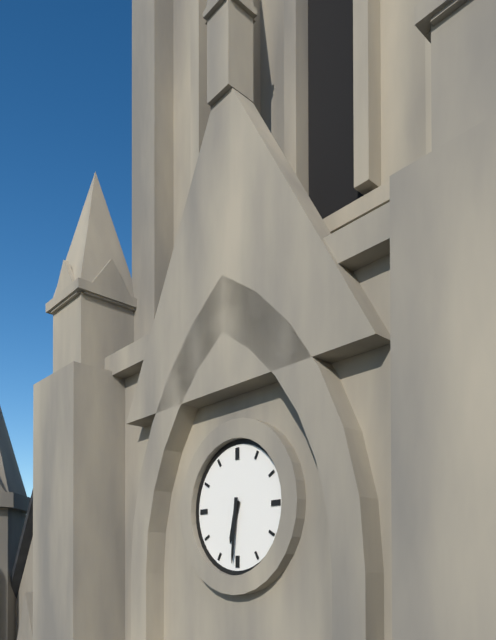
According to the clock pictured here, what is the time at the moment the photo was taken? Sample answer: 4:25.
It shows 6:31
